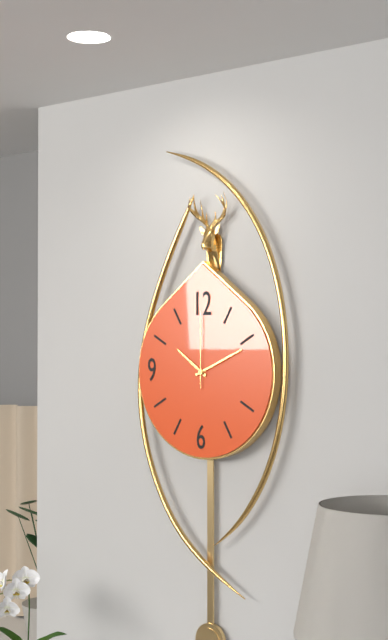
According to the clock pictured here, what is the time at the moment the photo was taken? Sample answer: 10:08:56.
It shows 10:11:00
